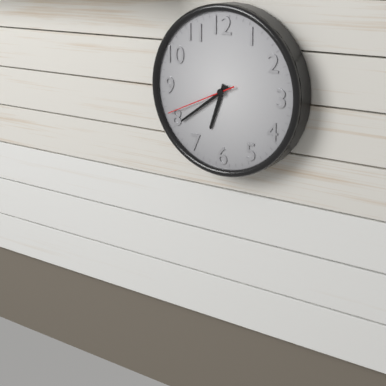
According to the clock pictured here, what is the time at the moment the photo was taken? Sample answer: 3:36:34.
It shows 6:39:41
